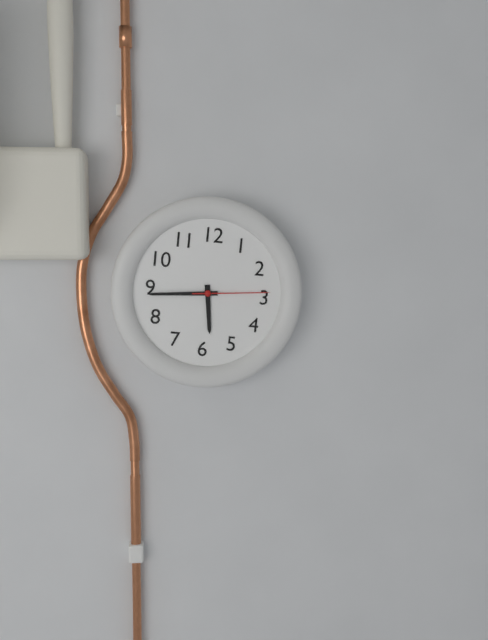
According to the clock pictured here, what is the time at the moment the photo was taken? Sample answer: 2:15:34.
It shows 5:44:14
